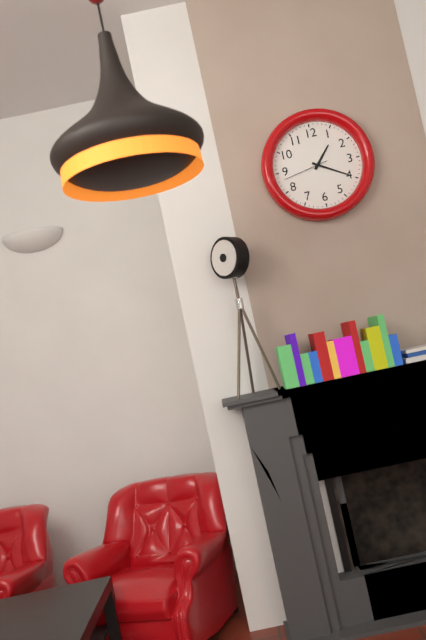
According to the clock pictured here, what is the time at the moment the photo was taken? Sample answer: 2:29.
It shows 1:20
